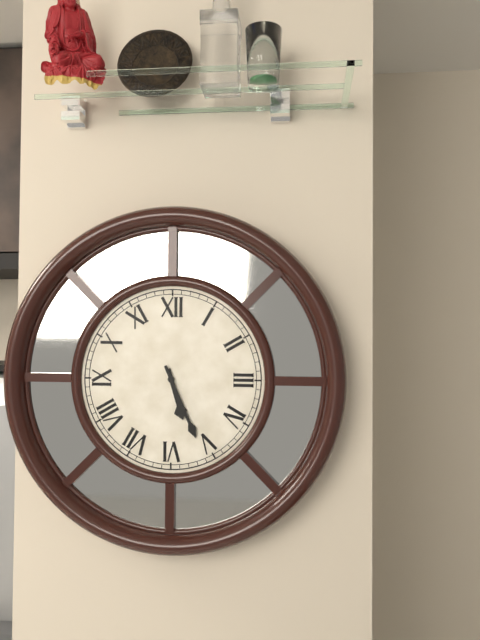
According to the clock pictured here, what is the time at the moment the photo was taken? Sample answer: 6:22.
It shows 5:26
